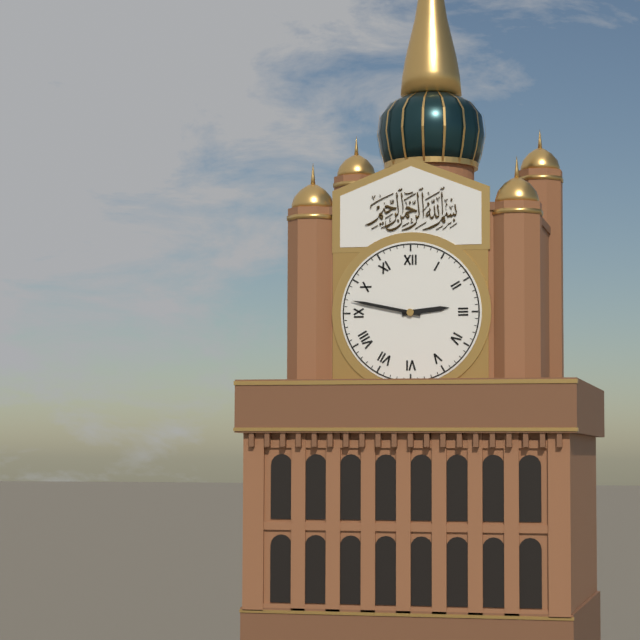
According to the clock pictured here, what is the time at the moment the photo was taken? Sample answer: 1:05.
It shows 2:47
